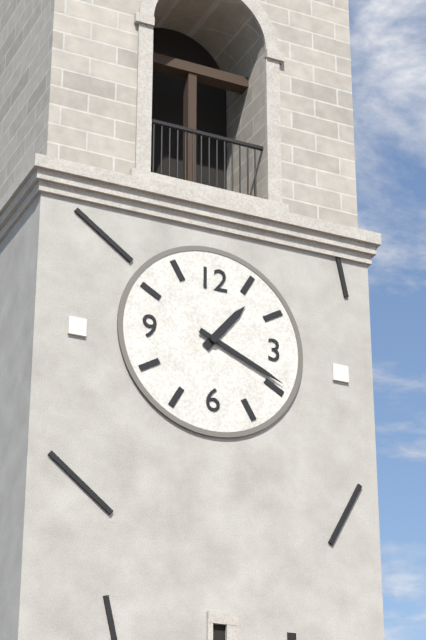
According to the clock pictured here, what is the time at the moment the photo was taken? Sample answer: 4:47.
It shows 1:19
